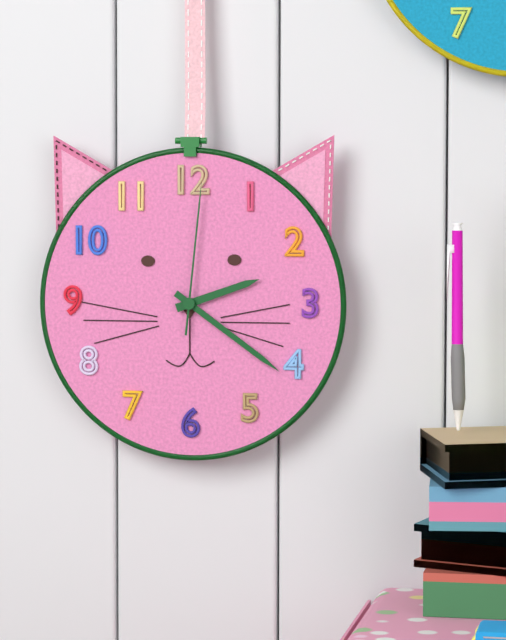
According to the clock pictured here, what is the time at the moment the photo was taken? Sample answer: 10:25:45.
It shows 2:21:01
